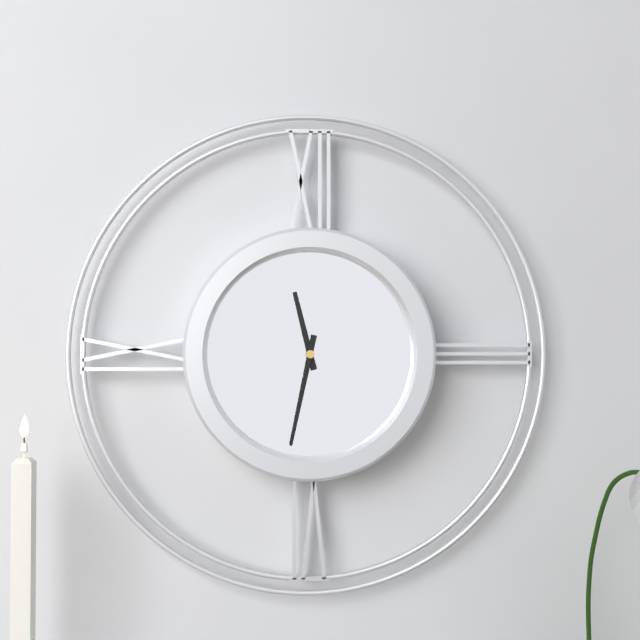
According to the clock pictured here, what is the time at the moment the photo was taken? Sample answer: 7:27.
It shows 11:32
